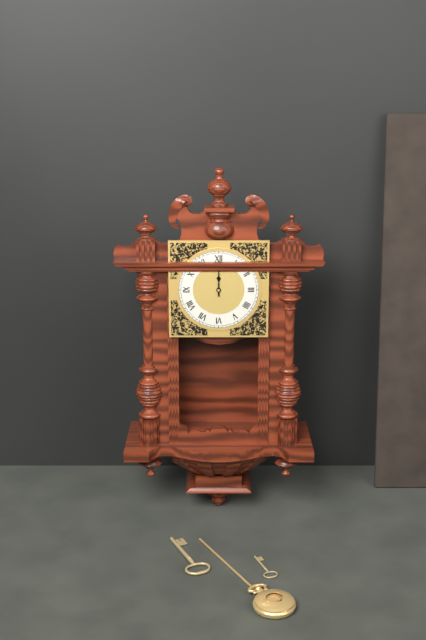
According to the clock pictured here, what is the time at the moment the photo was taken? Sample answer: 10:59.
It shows 12:00
